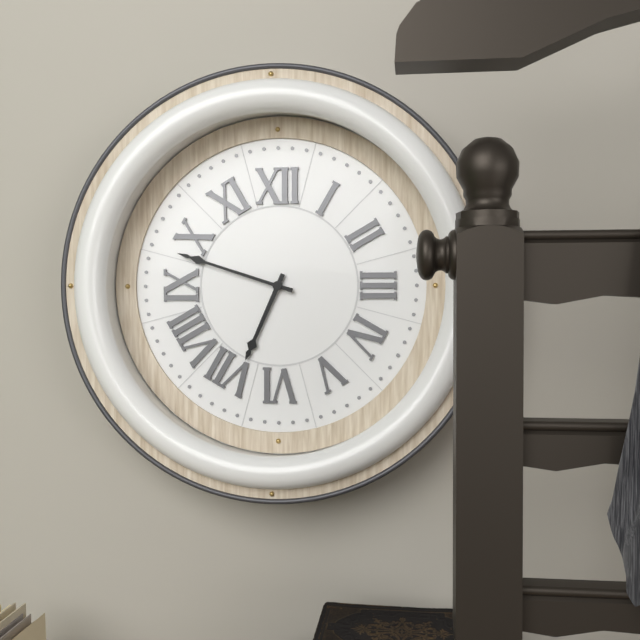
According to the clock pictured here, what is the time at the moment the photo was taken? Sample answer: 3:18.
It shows 6:48
